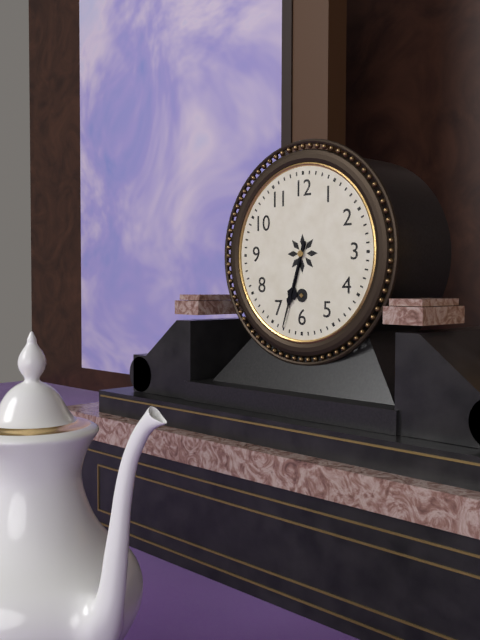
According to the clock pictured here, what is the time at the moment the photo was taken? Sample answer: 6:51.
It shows 6:33
